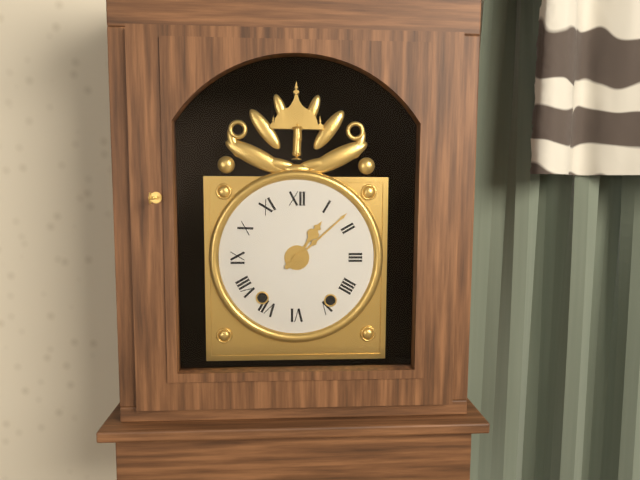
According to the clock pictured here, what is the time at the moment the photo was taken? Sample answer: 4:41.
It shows 1:08
